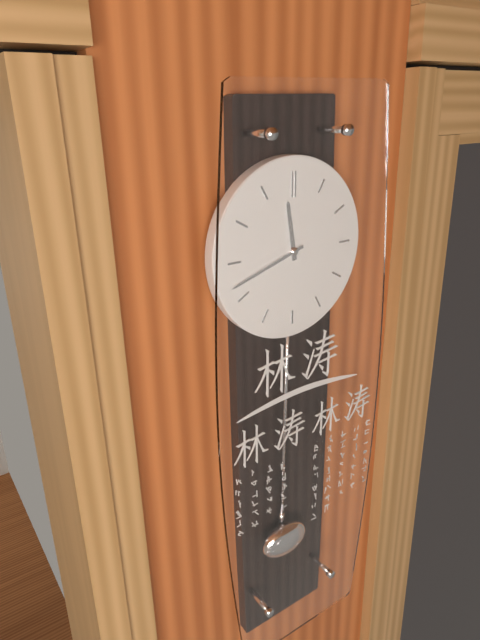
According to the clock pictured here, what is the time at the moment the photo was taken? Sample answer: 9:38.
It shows 11:42
